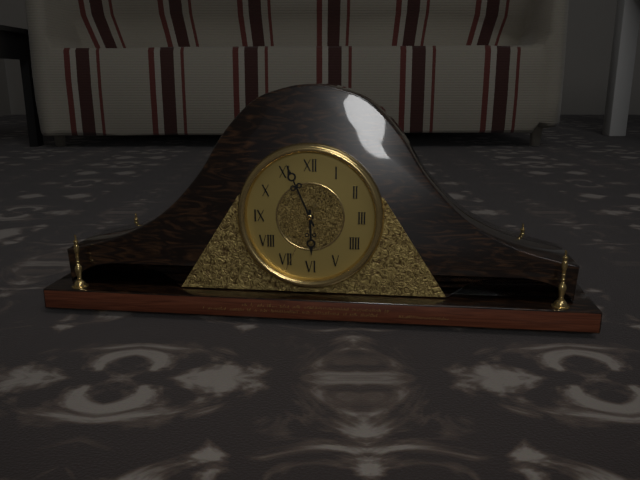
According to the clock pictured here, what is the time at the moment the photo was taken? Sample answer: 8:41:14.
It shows 5:56:34
